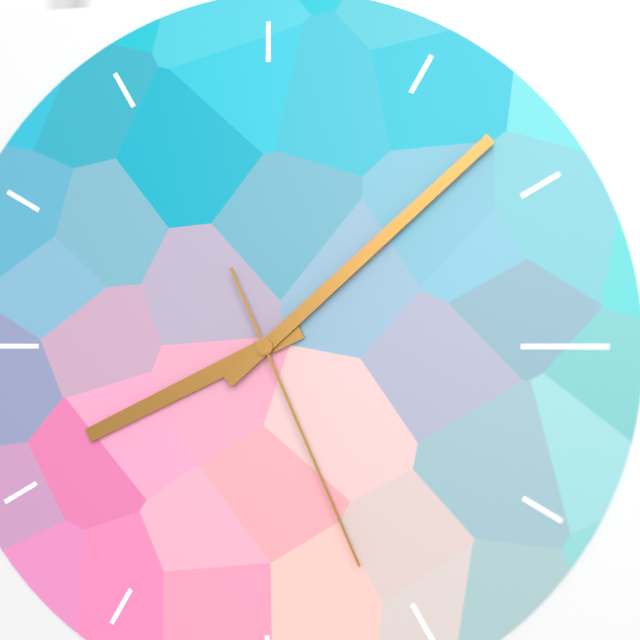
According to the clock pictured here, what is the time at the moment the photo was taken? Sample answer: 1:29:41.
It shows 8:08:26
